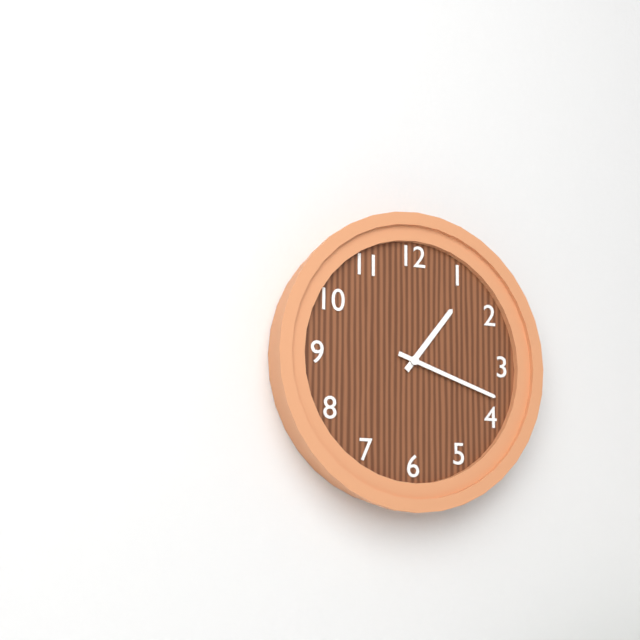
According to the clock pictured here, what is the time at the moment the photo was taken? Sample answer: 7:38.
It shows 1:18
